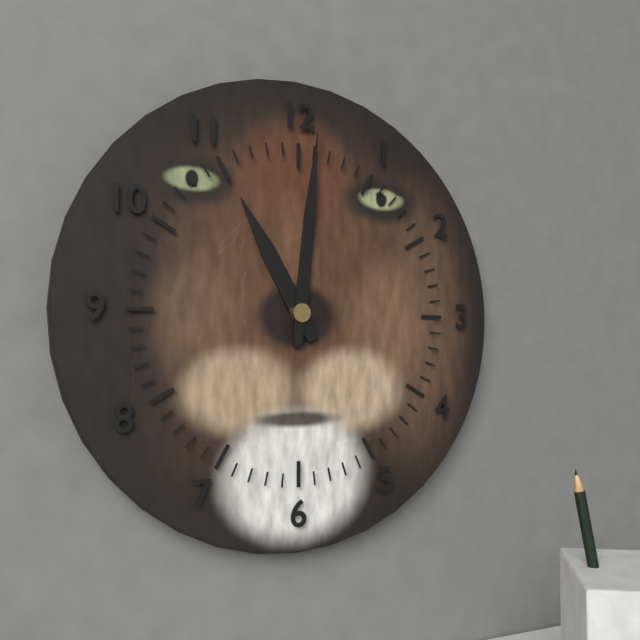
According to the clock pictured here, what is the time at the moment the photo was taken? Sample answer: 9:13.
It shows 11:01
